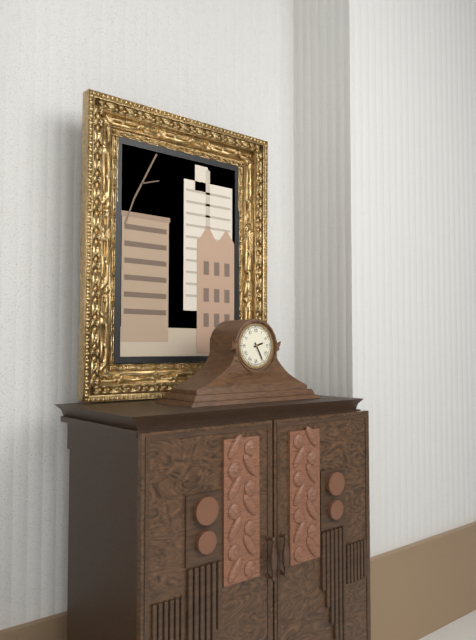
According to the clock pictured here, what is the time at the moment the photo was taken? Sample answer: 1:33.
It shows 2:25
